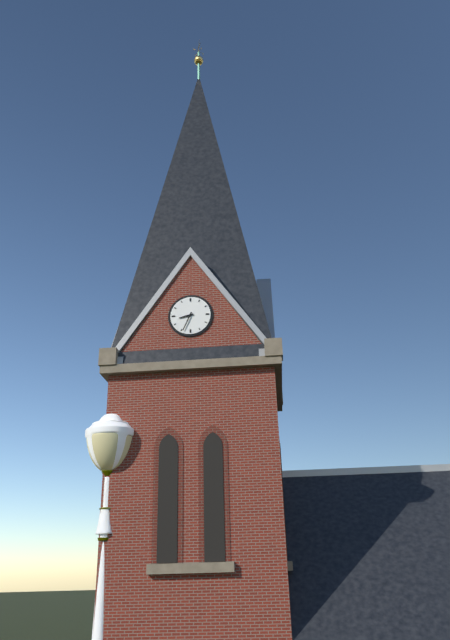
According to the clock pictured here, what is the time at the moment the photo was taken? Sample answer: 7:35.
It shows 8:34
